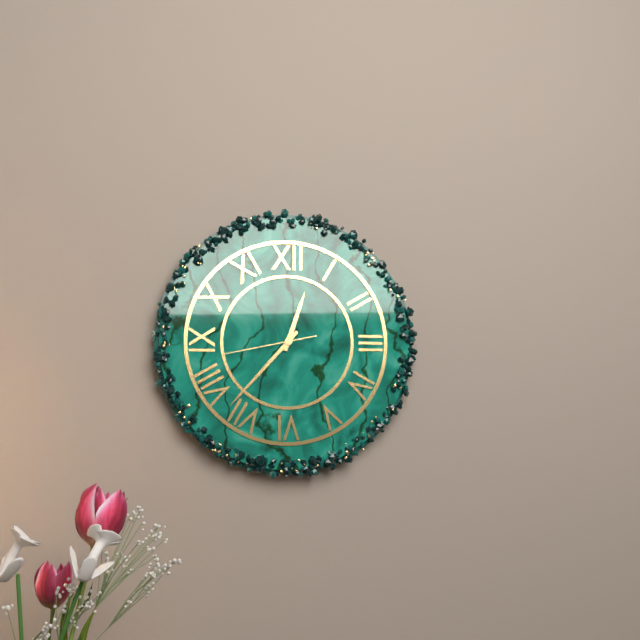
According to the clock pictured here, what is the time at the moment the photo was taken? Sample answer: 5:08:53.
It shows 12:37:43
